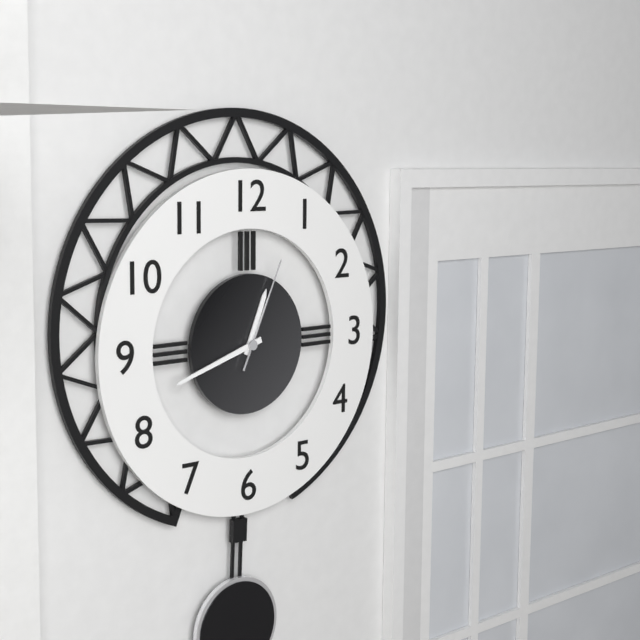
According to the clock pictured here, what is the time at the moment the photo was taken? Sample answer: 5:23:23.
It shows 12:42:04
